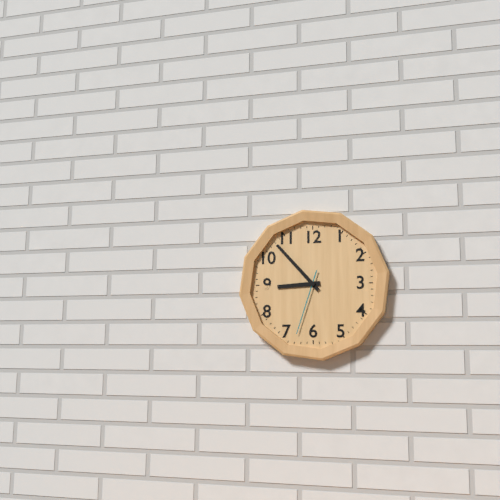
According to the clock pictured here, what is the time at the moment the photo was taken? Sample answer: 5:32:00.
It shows 8:53:33
